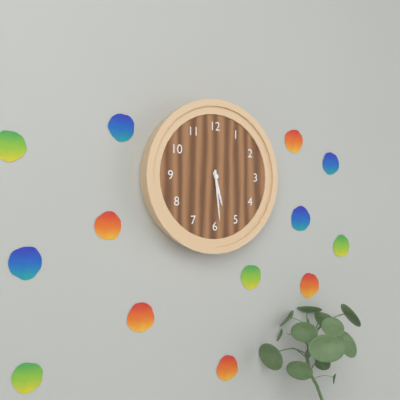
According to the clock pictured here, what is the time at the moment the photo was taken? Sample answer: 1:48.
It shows 5:29
